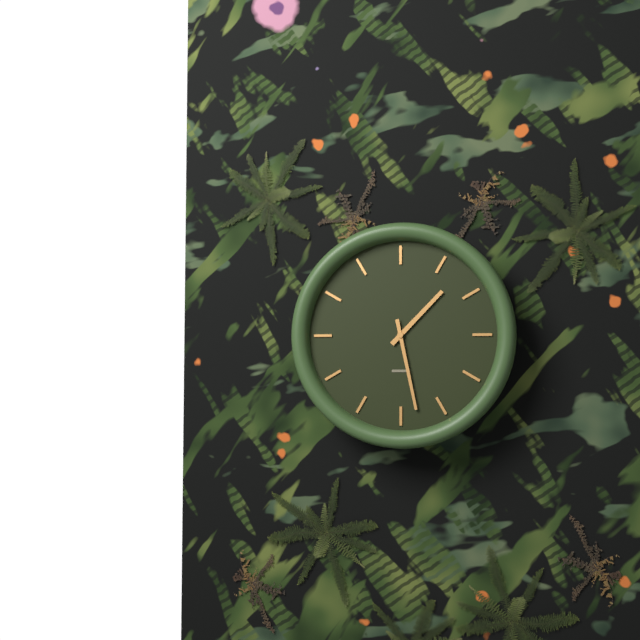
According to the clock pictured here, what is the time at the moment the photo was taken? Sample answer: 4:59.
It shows 1:28
